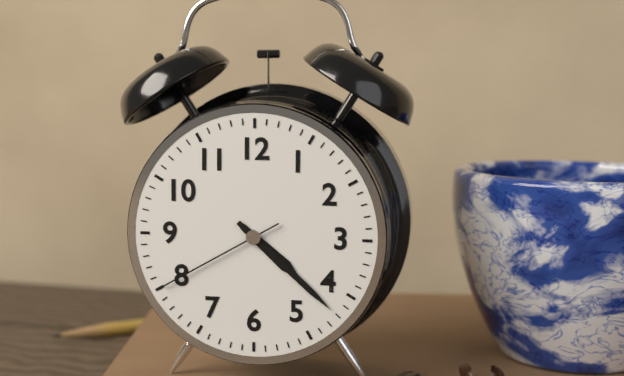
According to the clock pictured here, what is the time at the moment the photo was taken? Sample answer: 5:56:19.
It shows 4:22:40
